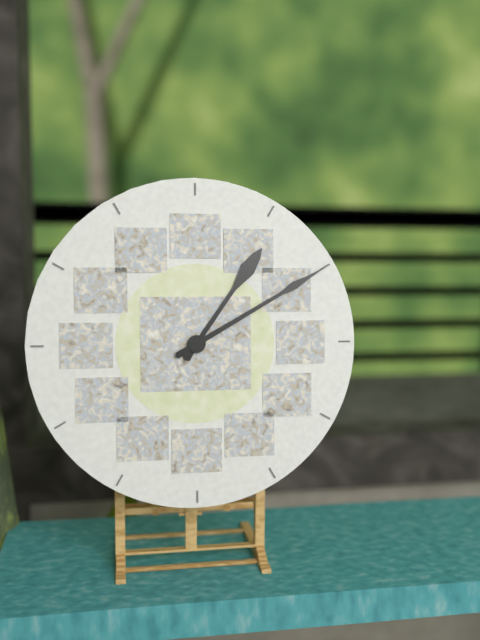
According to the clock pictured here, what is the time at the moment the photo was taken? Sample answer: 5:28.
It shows 1:10
